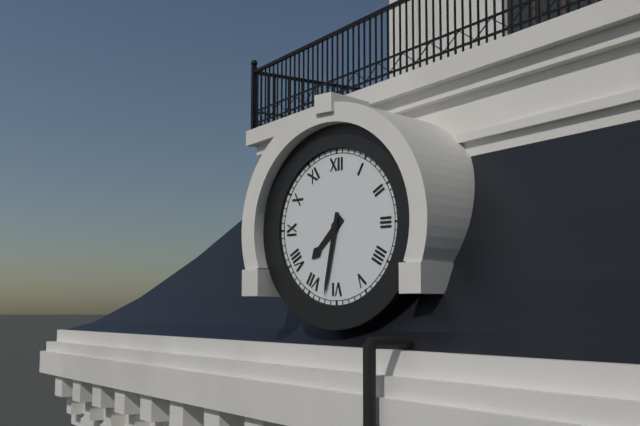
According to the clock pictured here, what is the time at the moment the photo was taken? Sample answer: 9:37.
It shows 7:32
